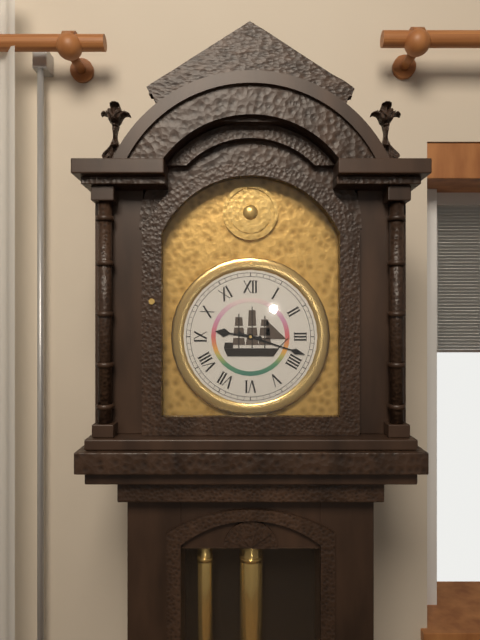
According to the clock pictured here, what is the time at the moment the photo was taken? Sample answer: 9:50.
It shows 9:18
